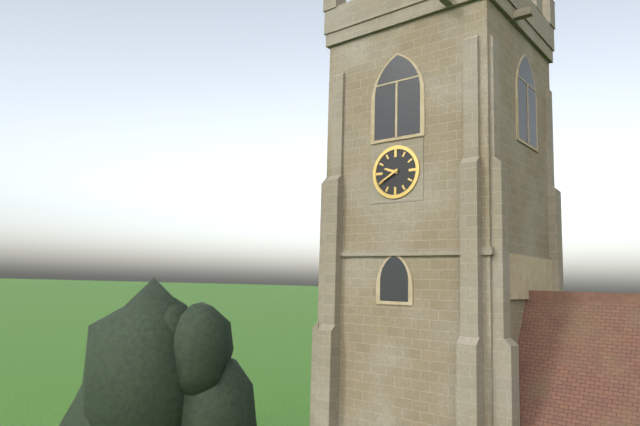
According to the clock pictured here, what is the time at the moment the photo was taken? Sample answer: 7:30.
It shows 9:40
